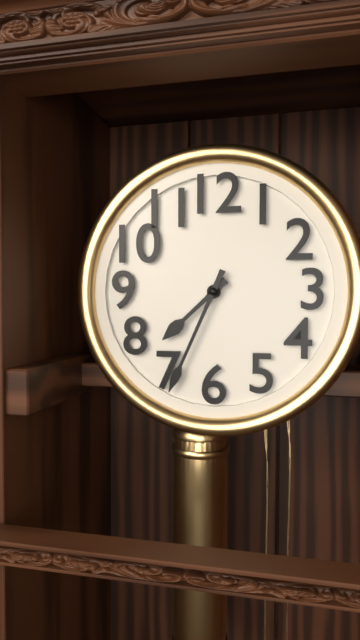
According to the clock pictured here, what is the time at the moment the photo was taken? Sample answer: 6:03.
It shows 7:34
